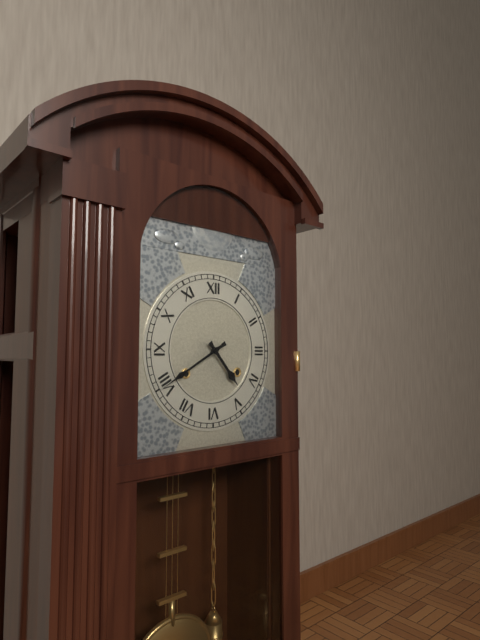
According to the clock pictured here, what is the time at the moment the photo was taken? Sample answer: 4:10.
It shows 4:40
